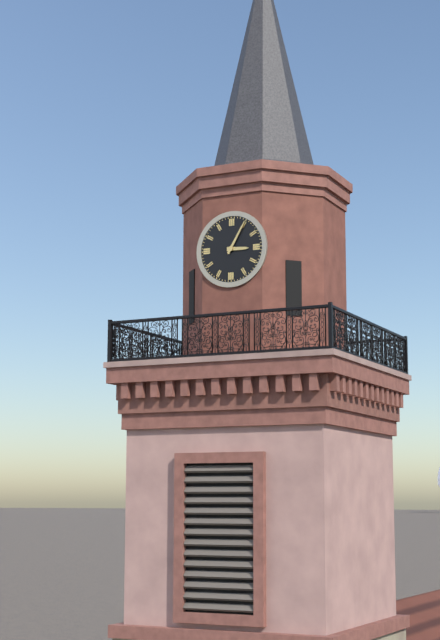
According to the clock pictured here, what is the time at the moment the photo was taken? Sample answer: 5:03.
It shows 3:05
